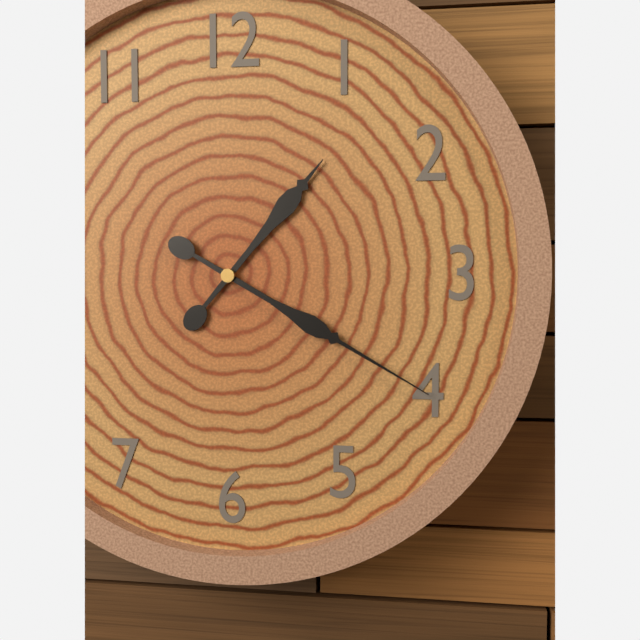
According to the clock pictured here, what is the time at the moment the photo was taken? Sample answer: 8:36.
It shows 1:20
